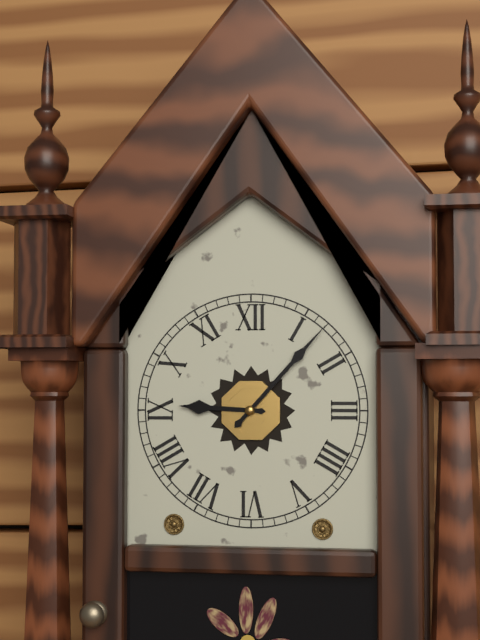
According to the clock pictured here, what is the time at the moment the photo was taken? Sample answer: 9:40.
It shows 9:07
